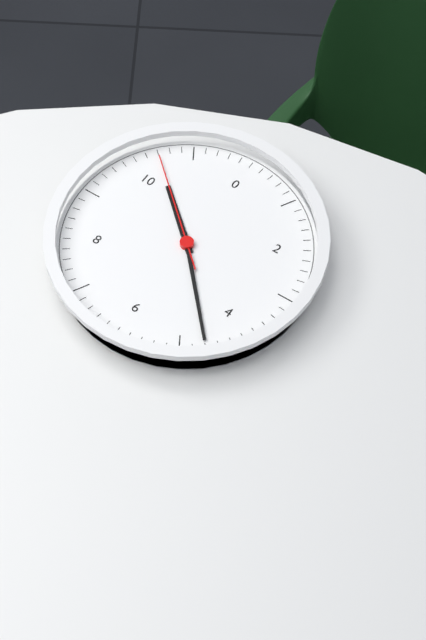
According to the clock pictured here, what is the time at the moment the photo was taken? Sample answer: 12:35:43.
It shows 10:23:52
